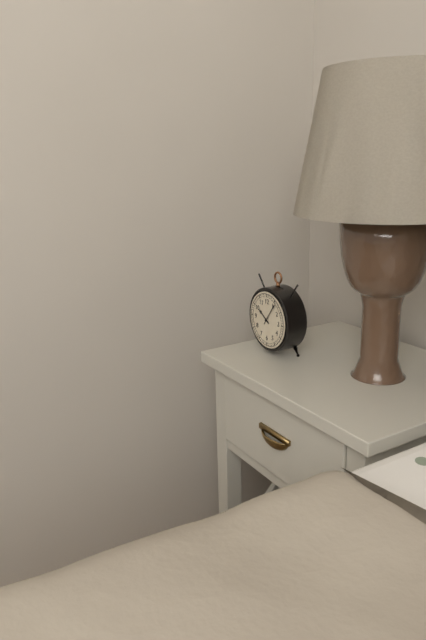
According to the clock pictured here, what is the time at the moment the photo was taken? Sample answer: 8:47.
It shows 10:06
